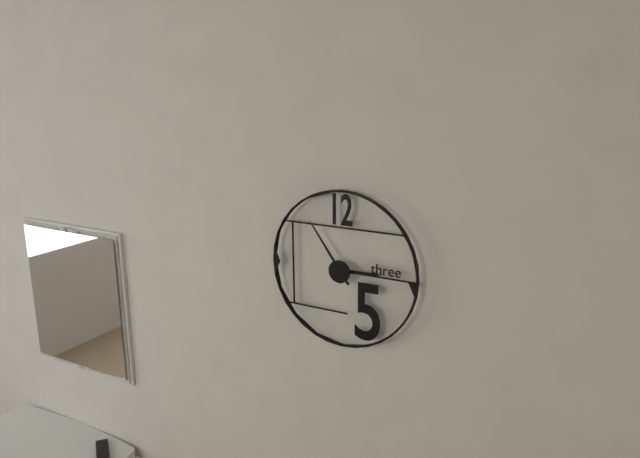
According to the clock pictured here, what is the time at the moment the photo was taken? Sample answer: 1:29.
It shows 2:54
